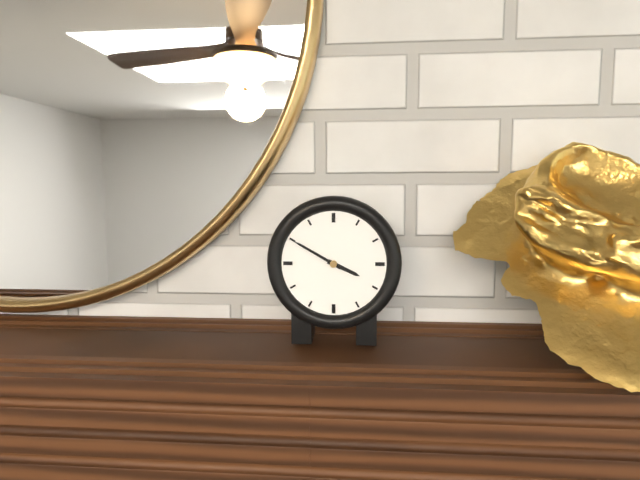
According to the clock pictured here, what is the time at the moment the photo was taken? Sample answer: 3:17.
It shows 3:50
